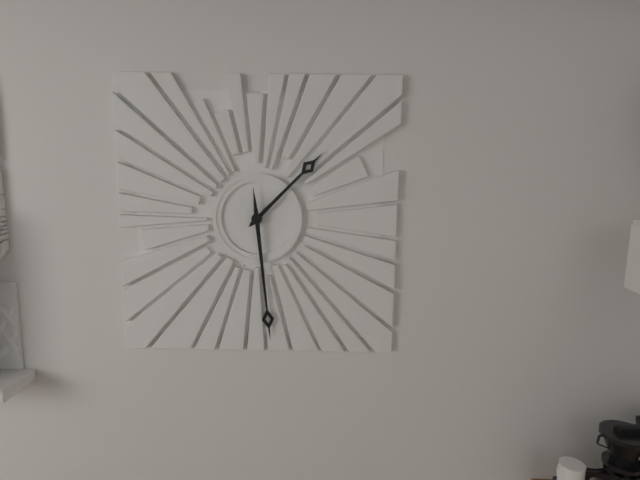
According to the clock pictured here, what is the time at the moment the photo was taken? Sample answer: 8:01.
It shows 1:29
